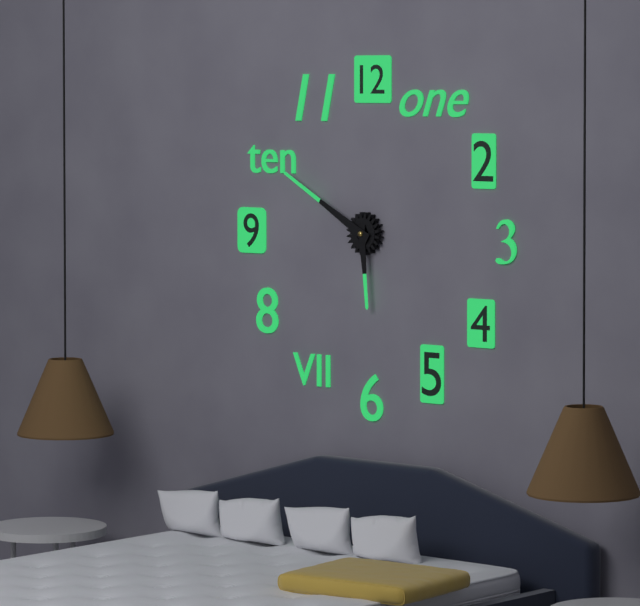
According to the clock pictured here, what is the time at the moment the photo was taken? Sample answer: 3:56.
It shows 5:50
